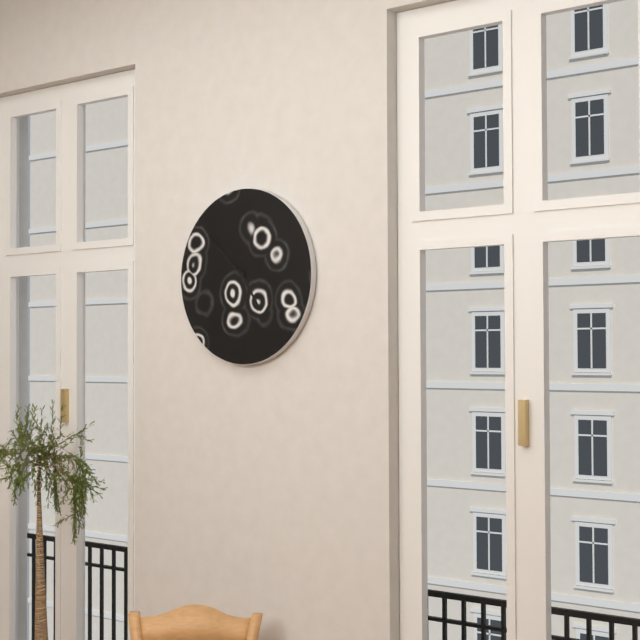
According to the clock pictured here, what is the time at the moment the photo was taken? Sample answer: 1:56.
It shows 4:52
